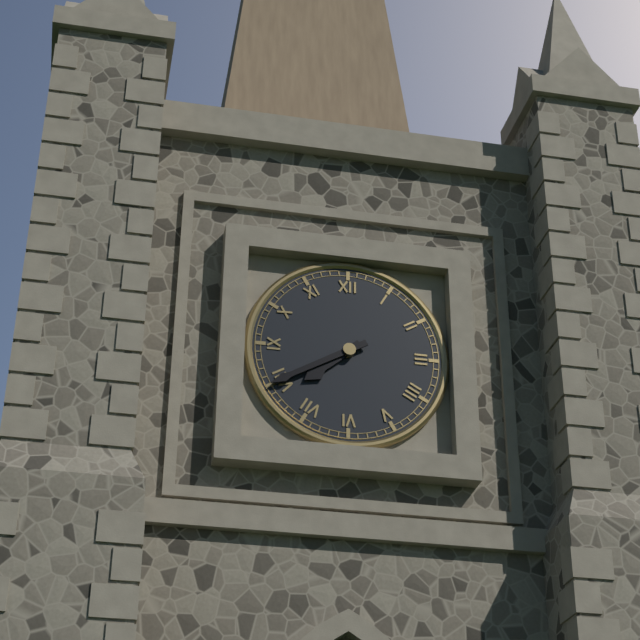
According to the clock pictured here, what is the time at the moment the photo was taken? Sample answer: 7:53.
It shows 7:40
